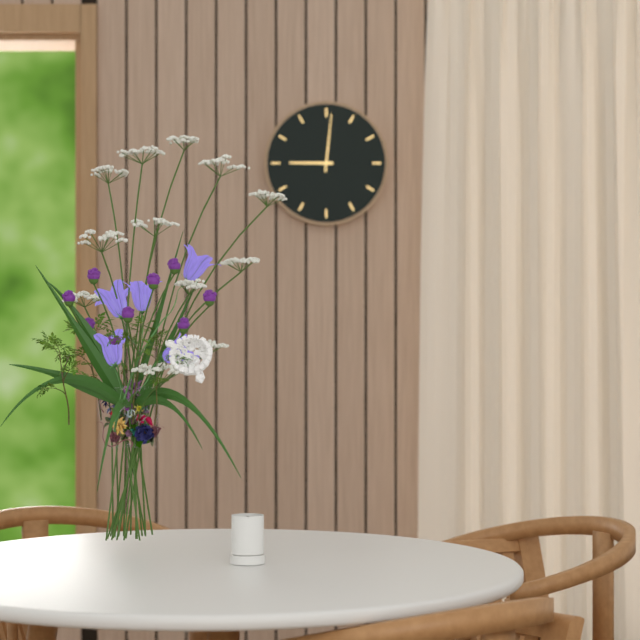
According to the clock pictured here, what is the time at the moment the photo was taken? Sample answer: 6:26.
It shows 9:01
